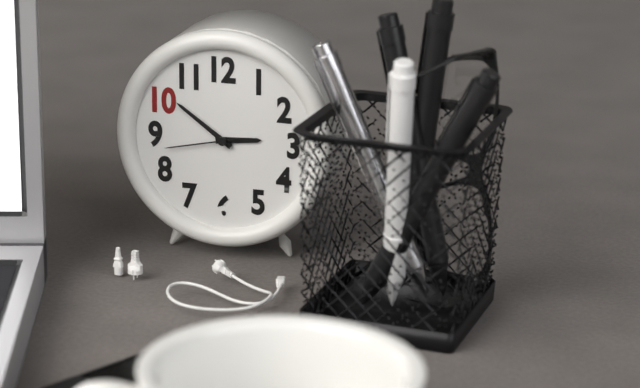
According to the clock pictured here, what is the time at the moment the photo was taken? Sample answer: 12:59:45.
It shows 2:51:43
